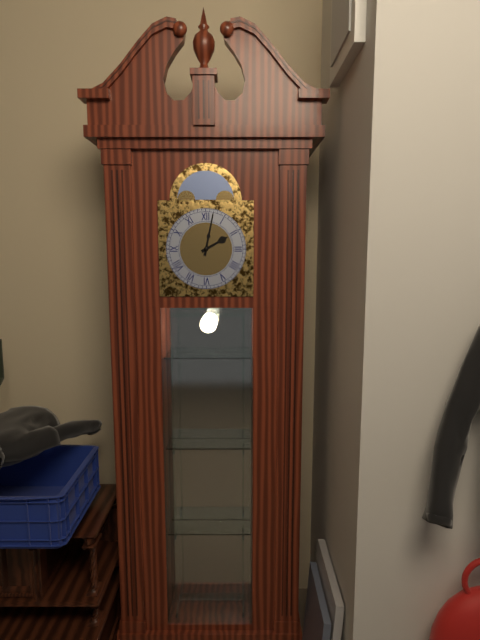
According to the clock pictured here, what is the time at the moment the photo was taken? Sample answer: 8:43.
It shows 2:02
